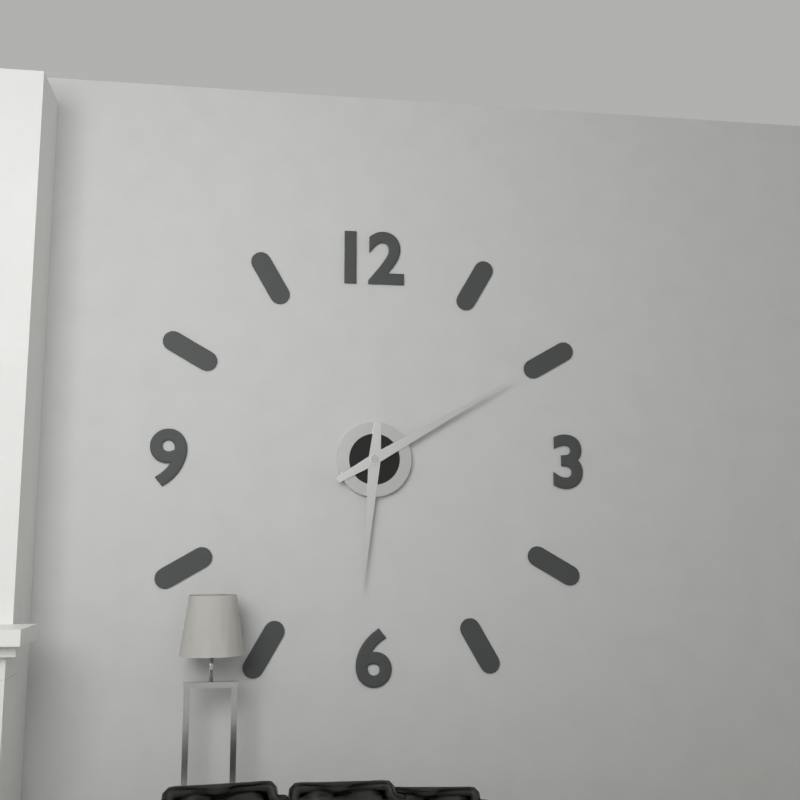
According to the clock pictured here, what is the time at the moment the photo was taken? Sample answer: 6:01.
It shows 6:10
